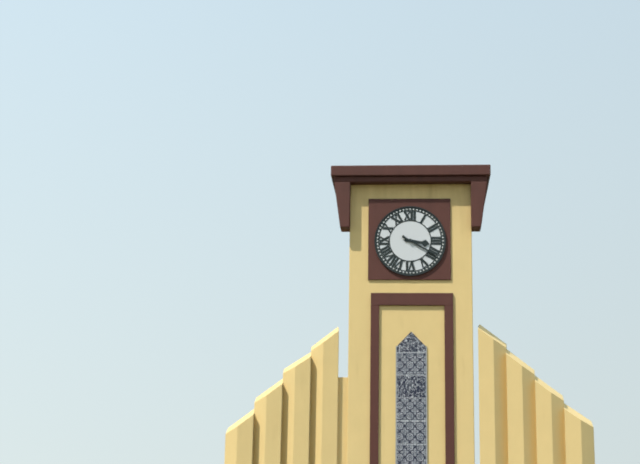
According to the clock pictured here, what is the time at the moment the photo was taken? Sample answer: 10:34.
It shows 3:20
